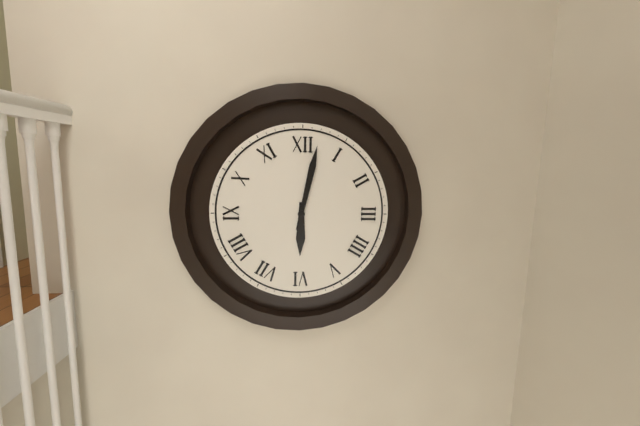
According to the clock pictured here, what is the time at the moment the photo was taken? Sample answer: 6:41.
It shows 6:02
